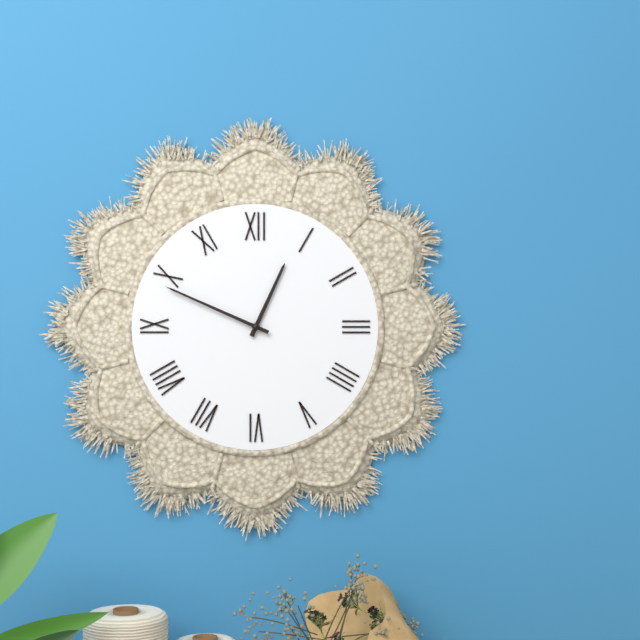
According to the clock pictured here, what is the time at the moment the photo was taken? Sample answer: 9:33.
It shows 12:49
